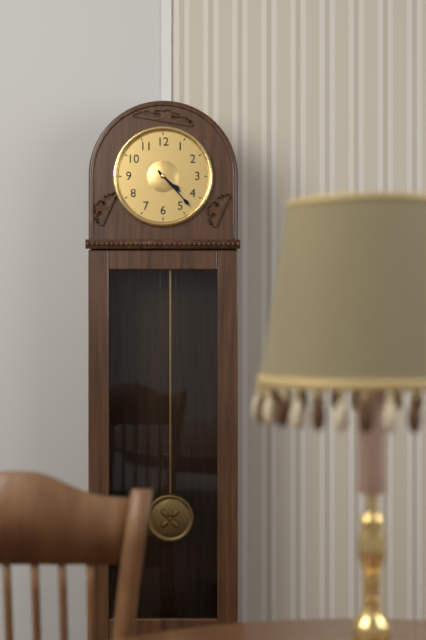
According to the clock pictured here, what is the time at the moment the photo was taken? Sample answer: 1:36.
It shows 4:23
